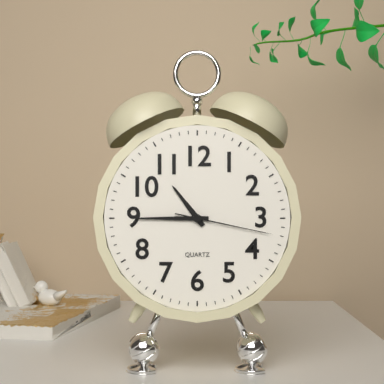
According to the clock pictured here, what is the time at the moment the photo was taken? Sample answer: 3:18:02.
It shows 10:45:17
